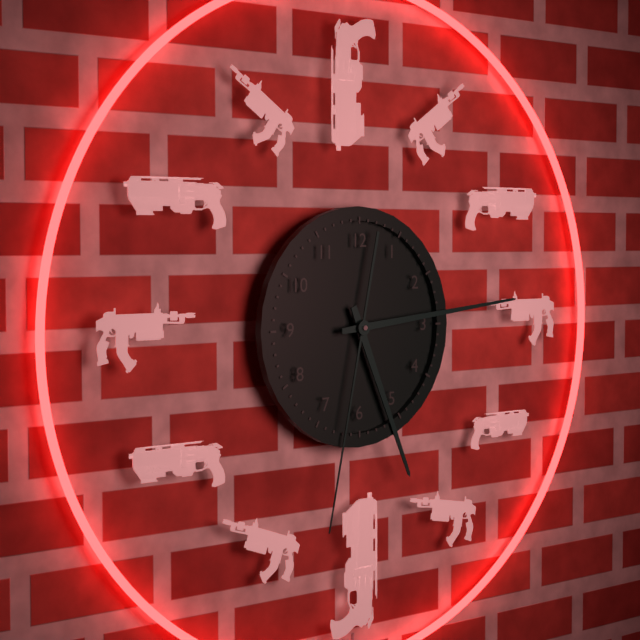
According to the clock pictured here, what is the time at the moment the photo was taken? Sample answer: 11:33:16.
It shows 5:14:32
